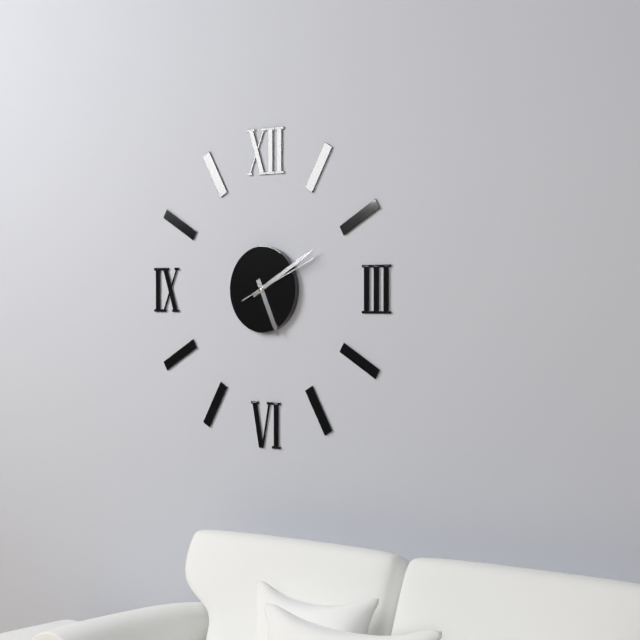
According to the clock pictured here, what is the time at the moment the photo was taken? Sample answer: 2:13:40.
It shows 5:10:11
